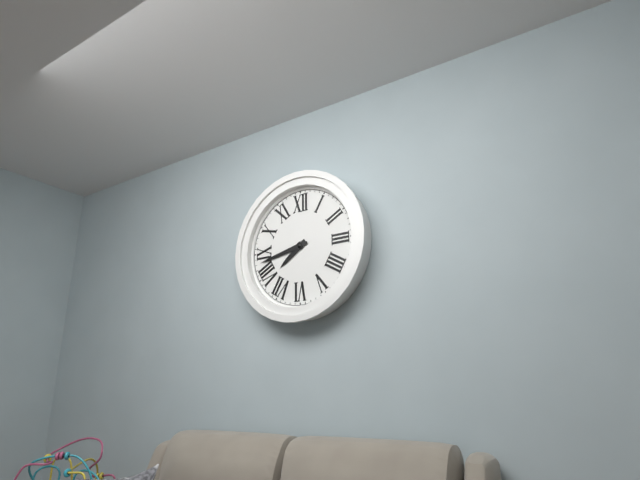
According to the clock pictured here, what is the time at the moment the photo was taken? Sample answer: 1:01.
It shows 7:43
